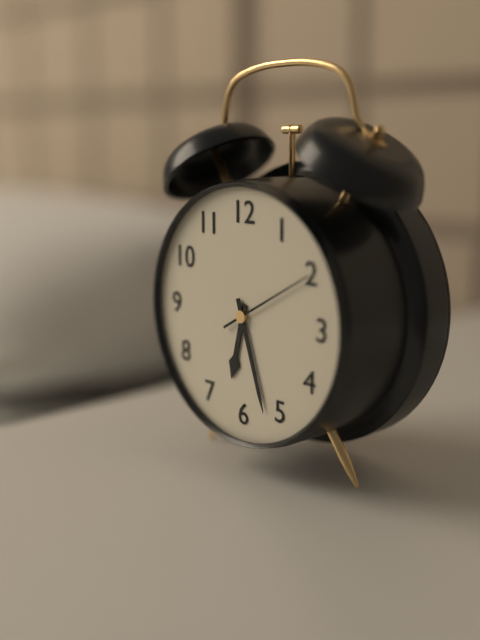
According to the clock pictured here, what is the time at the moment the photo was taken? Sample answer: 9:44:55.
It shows 6:27:10
